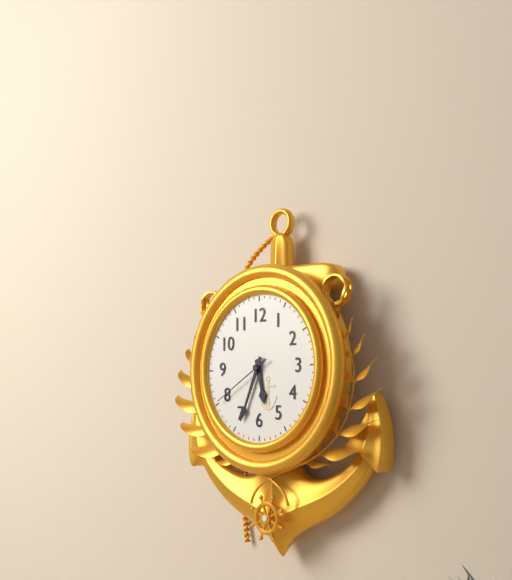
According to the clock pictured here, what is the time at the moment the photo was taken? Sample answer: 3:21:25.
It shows 5:34:40
